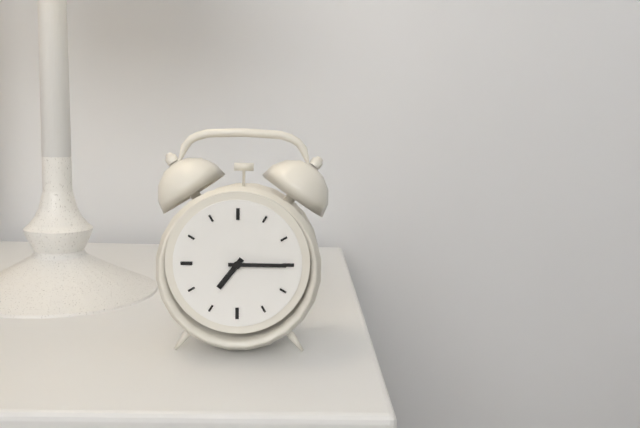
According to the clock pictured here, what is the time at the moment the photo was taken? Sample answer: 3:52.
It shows 7:15
